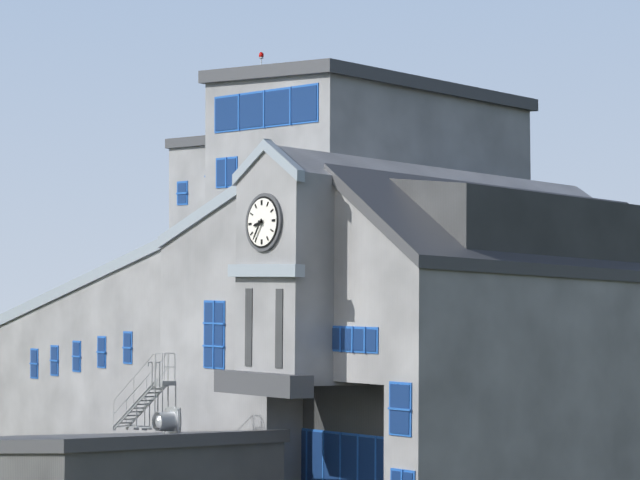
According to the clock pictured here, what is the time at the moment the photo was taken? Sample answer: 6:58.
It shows 8:36
